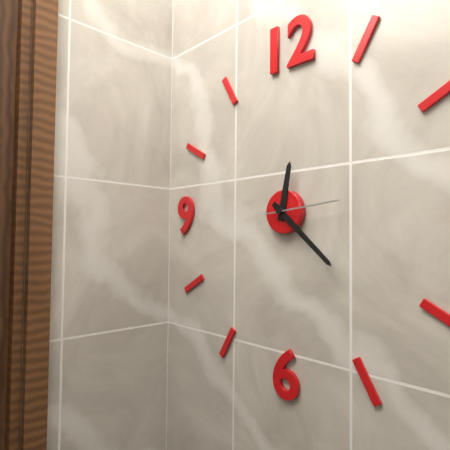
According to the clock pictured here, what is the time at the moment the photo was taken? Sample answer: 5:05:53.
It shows 12:22:14
